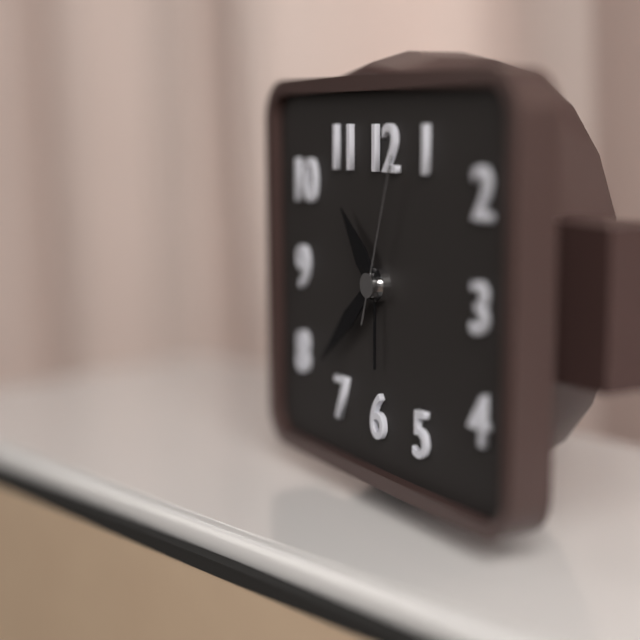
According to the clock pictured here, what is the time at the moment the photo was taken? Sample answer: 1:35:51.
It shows 10:38:03
